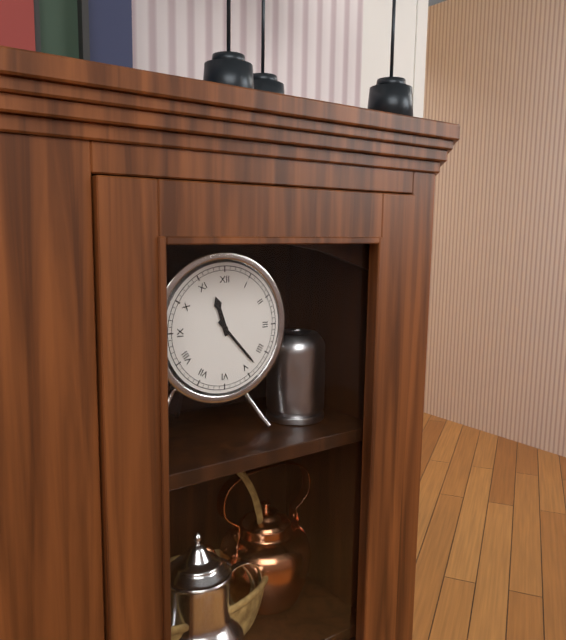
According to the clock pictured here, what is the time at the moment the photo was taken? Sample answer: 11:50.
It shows 11:23
